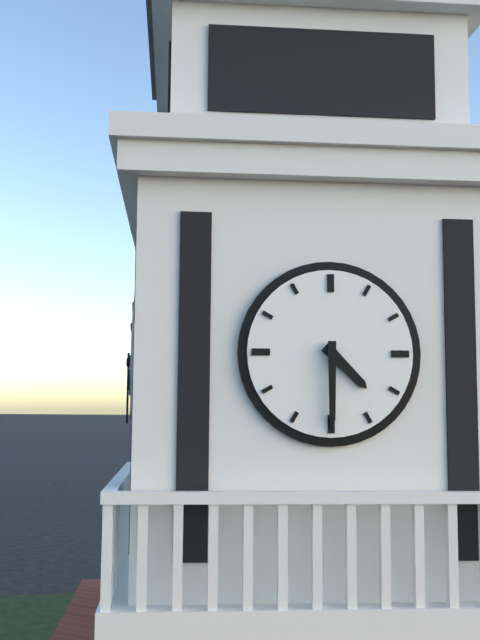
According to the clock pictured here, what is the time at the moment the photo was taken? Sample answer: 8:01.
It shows 4:30
